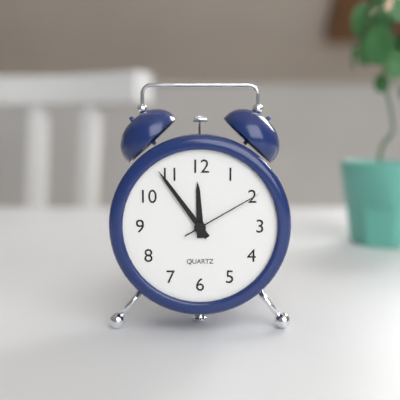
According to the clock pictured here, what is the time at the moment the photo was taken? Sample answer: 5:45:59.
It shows 11:54:10
